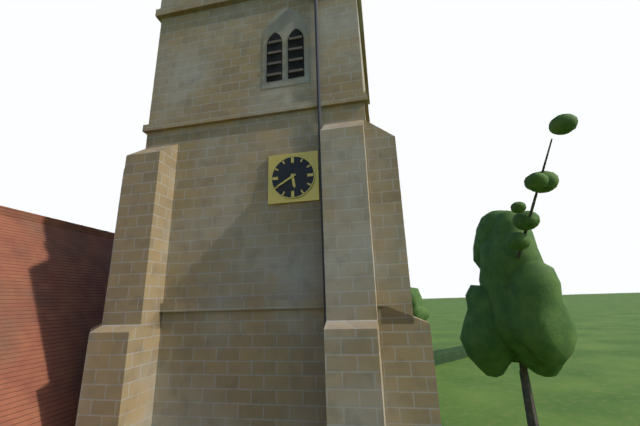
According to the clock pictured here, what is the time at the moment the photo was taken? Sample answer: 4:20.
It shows 5:40
